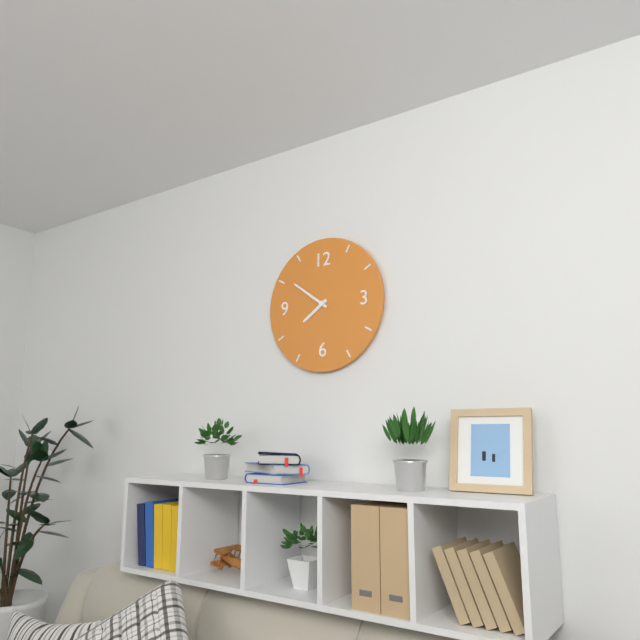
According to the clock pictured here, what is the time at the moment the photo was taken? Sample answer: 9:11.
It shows 7:51
